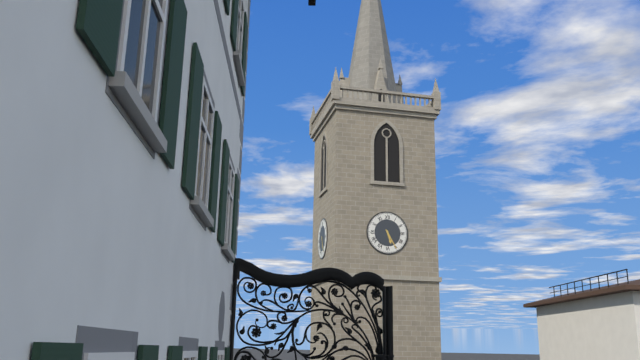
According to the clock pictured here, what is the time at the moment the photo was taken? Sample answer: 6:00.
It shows 5:25
